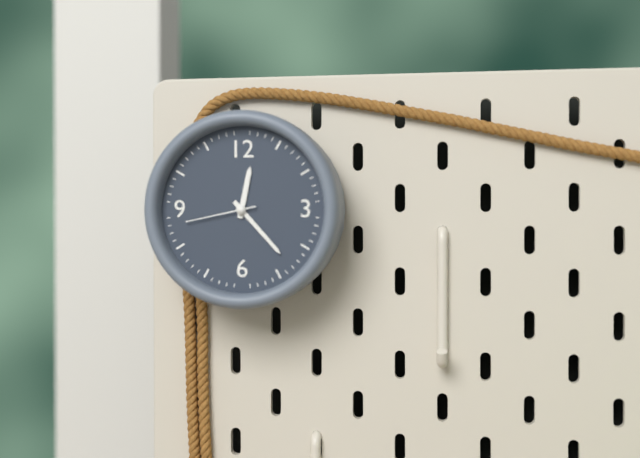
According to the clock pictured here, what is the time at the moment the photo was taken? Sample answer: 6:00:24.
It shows 12:23:43
